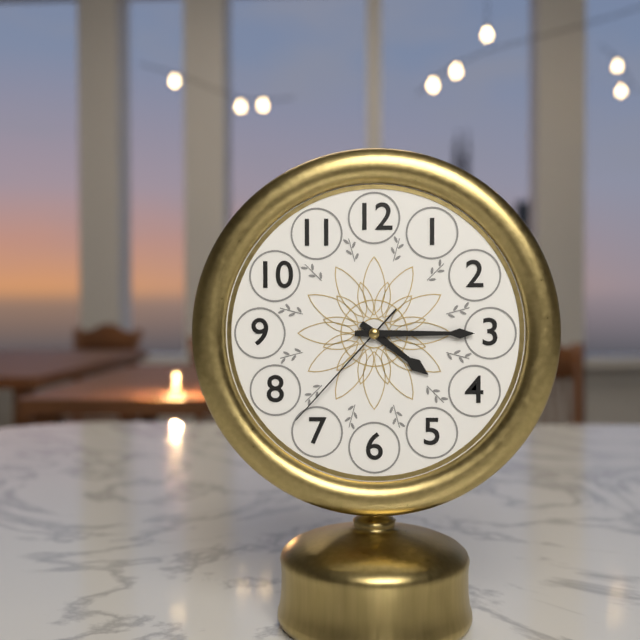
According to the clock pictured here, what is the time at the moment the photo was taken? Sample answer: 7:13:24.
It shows 4:15:37
